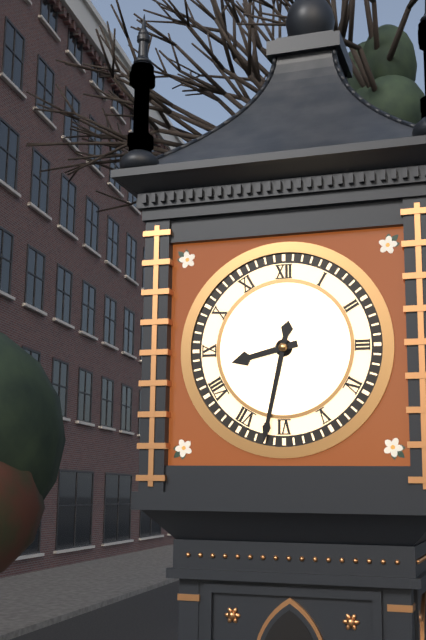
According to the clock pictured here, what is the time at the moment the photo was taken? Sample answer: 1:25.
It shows 8:32
